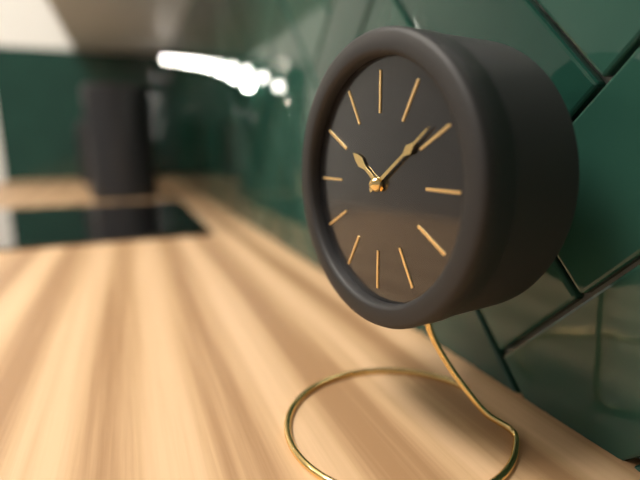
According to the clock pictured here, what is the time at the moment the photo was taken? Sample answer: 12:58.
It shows 10:09
